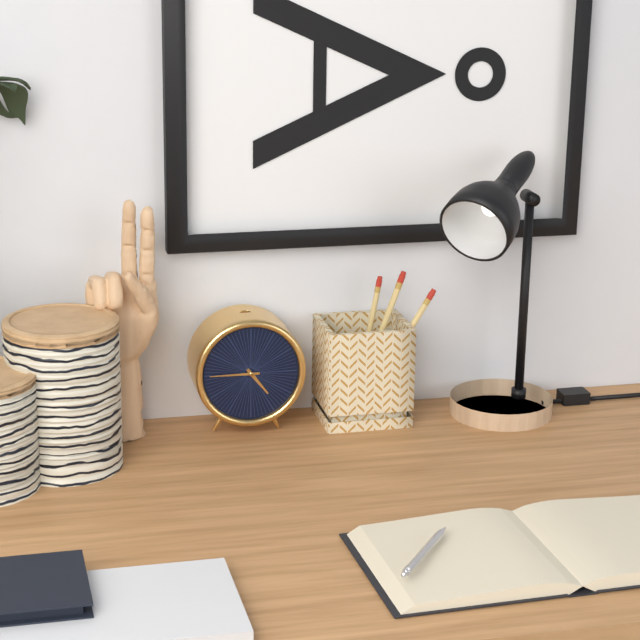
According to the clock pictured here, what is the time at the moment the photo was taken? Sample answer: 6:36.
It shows 4:45
